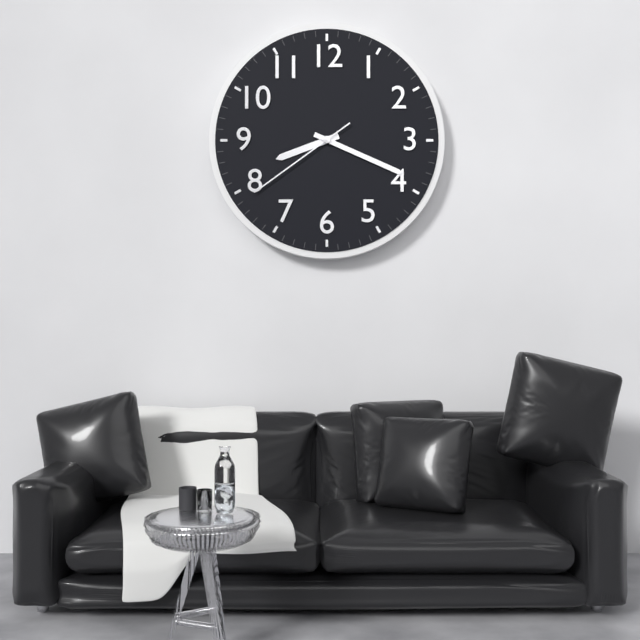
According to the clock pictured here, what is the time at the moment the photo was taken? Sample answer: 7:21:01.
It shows 8:19:39
